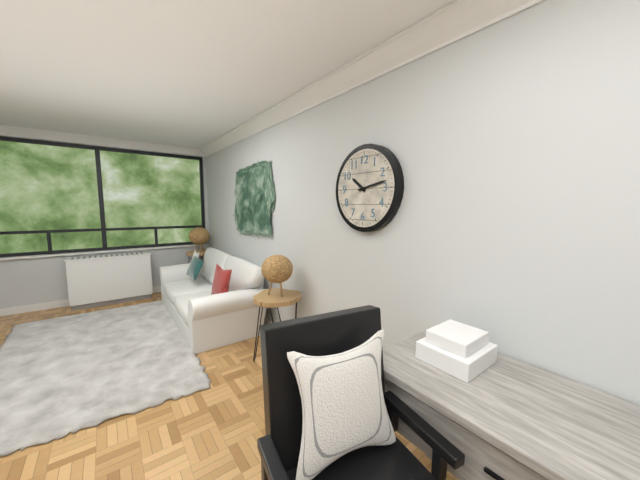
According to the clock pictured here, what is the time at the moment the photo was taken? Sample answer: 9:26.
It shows 10:13
